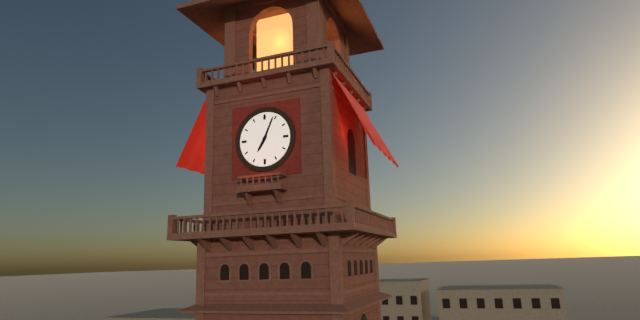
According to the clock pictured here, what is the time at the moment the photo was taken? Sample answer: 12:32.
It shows 7:04
